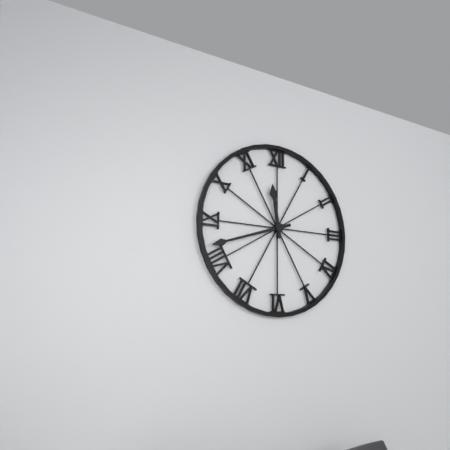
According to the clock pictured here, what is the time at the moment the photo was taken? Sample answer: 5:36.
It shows 11:42
